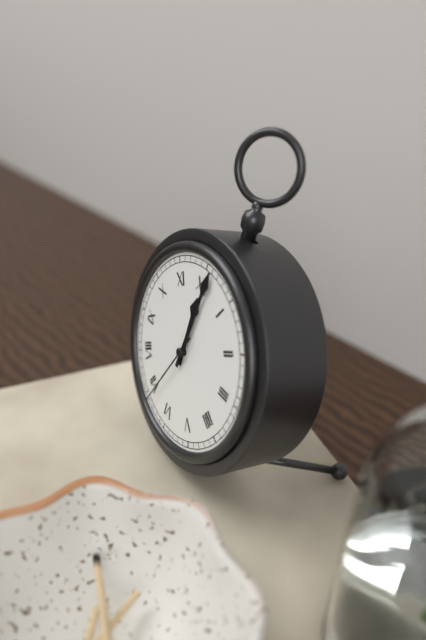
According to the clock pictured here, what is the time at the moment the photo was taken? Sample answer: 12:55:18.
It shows 12:01:34
